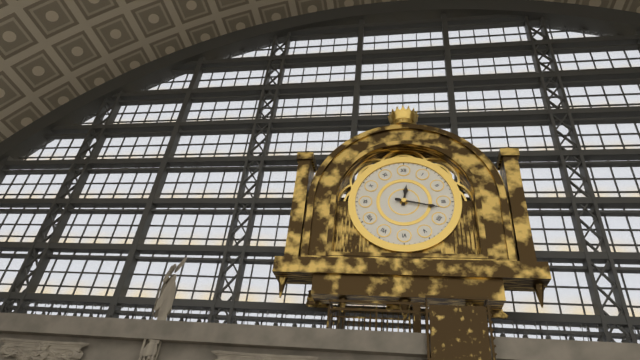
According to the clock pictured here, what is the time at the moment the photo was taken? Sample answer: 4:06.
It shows 12:17
